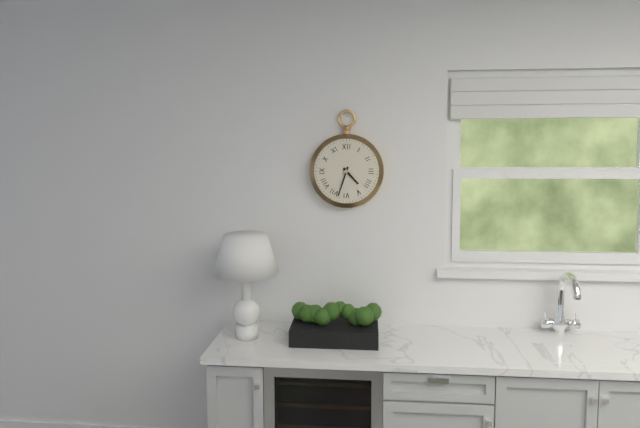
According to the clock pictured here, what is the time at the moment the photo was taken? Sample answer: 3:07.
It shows 4:33
